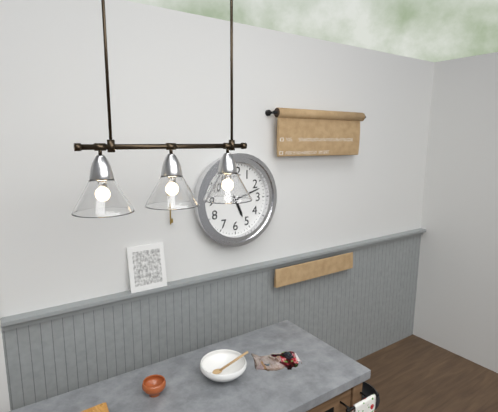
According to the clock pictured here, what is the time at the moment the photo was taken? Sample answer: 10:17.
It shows 5:12
